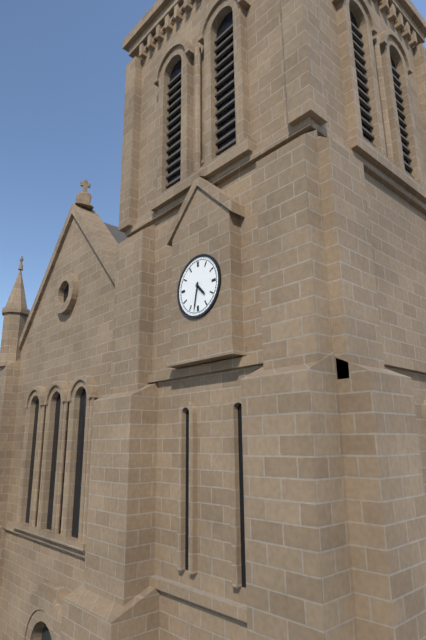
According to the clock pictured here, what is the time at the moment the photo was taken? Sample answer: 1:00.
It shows 4:32
